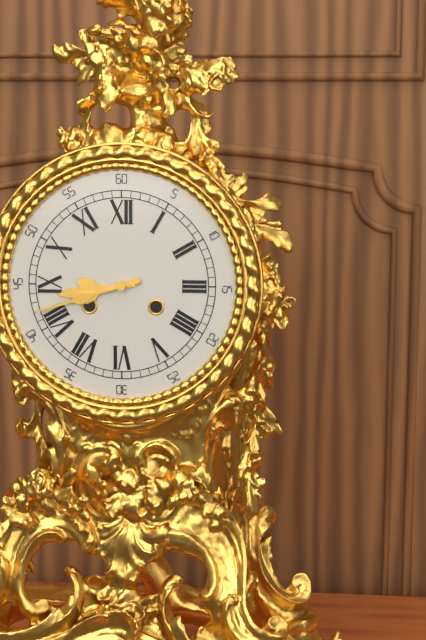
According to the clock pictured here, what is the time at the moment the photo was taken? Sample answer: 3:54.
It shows 8:42
